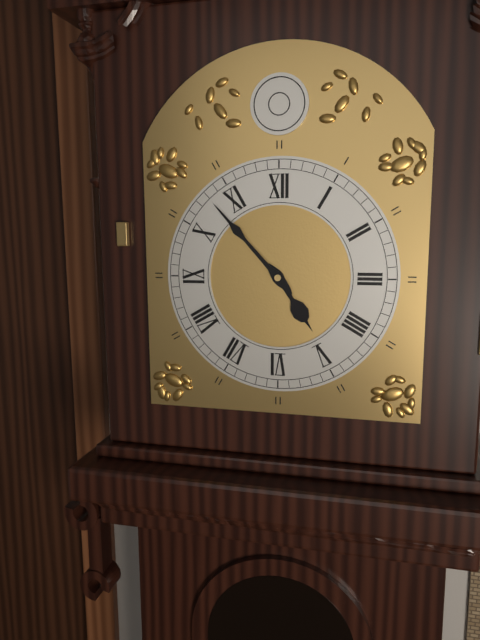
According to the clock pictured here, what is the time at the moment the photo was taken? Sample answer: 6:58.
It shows 4:53
